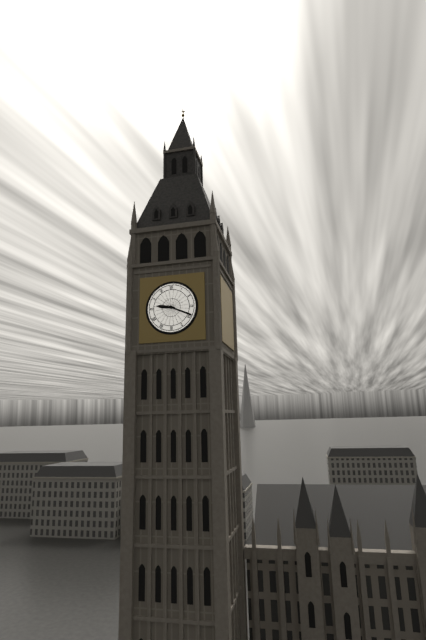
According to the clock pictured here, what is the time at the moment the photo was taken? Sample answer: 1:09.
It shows 9:19
